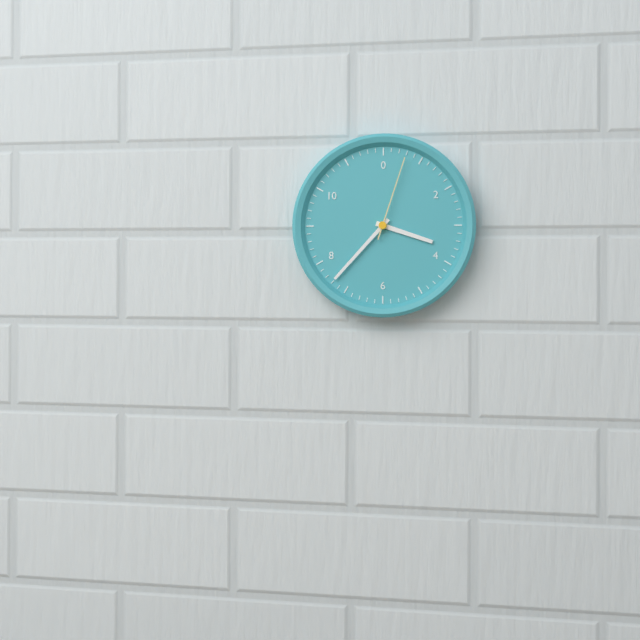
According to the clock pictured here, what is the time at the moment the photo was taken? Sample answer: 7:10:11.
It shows 3:37:03
